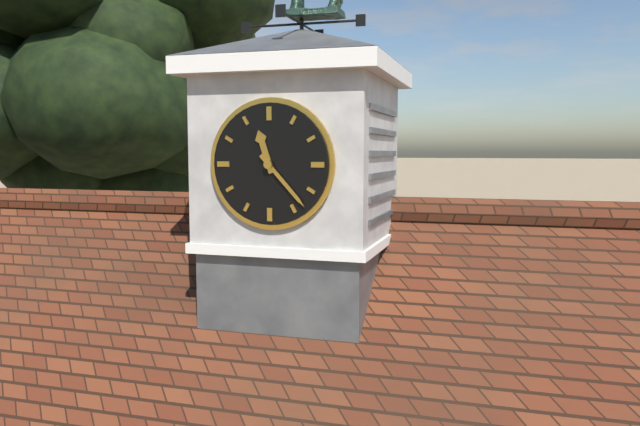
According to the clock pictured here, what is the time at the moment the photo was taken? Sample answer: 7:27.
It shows 11:23
